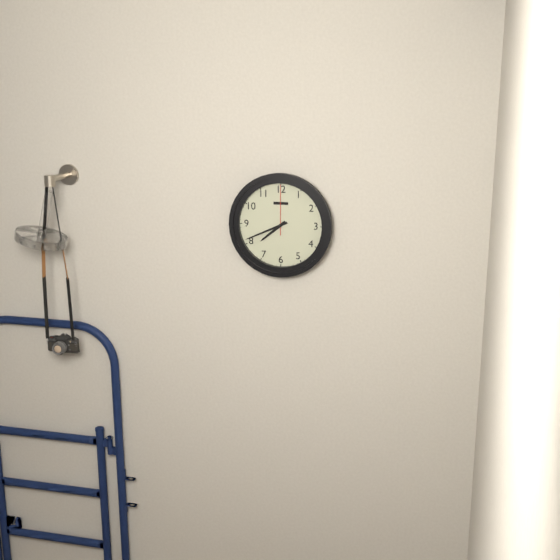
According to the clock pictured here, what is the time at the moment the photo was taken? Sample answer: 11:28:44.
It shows 7:41:00
